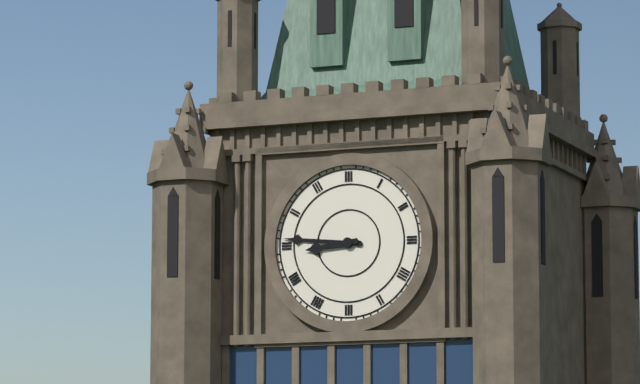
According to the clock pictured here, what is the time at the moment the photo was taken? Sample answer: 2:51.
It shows 8:46
